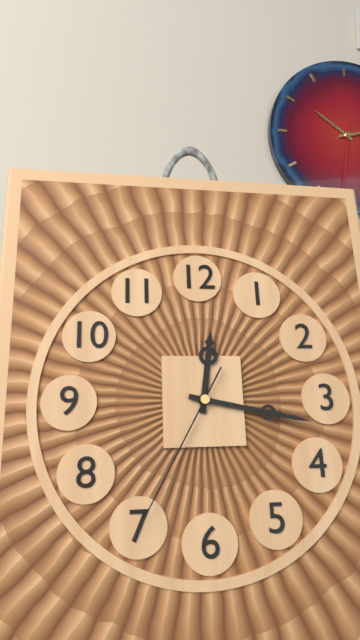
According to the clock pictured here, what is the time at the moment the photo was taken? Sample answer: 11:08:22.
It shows 12:17:35
